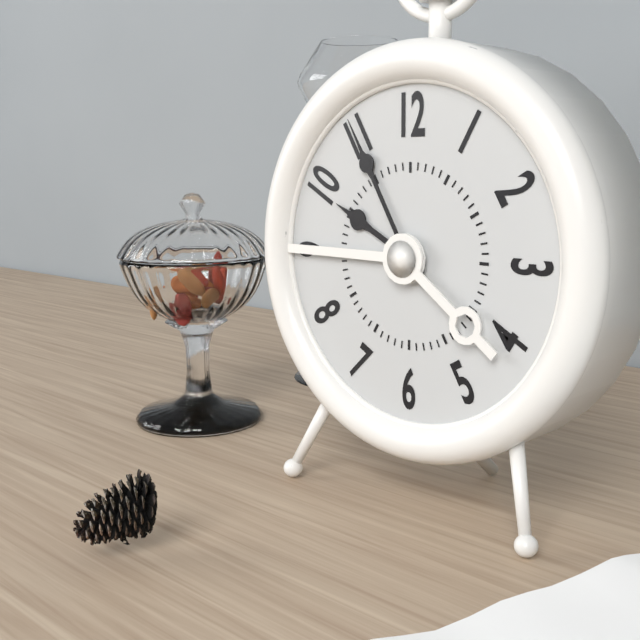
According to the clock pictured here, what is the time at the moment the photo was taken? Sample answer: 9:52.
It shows 9:55
